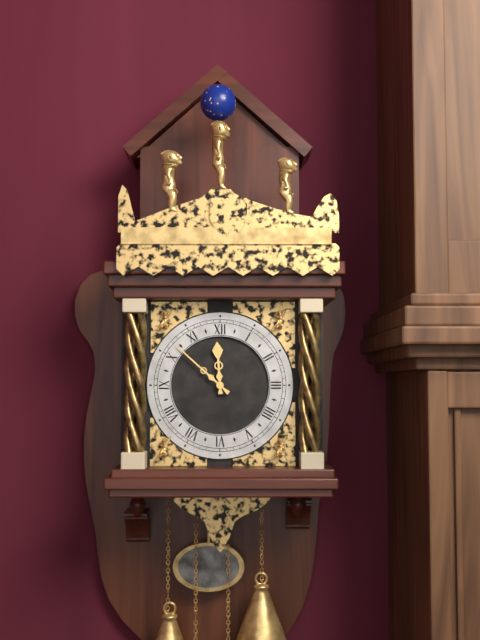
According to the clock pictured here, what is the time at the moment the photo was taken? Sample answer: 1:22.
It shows 11:52
